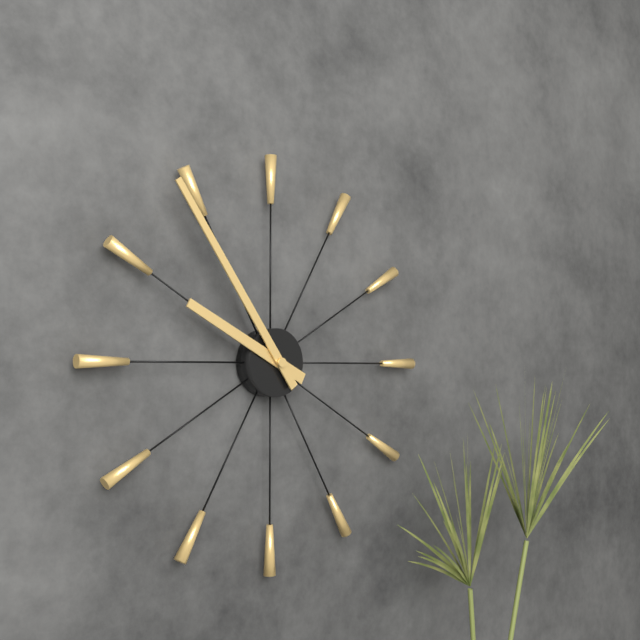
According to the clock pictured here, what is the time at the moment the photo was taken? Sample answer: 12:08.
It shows 9:54
